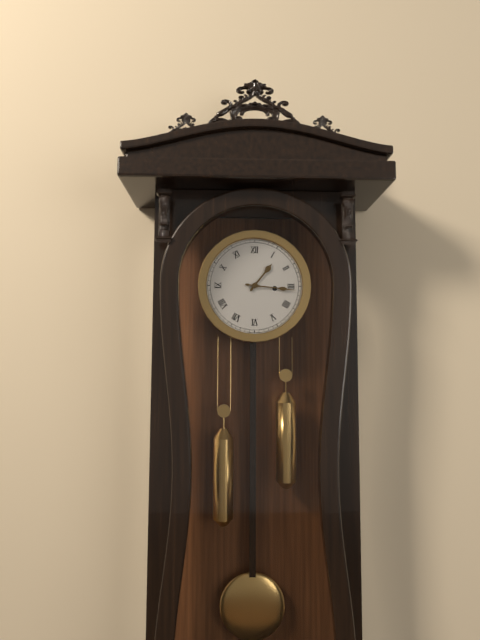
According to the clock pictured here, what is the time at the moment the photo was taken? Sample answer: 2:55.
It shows 1:16
